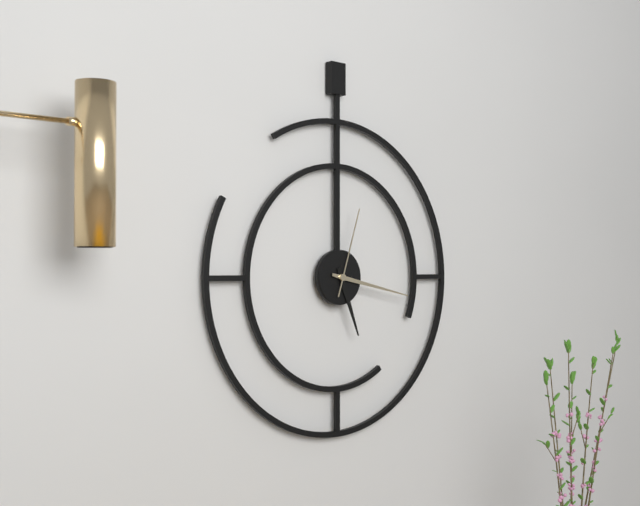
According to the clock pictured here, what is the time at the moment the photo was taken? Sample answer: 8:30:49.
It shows 5:17:03
